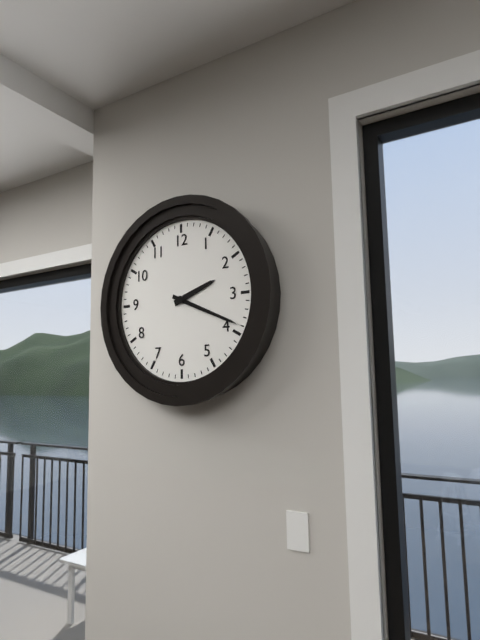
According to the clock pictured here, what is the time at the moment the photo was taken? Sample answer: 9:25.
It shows 2:19
